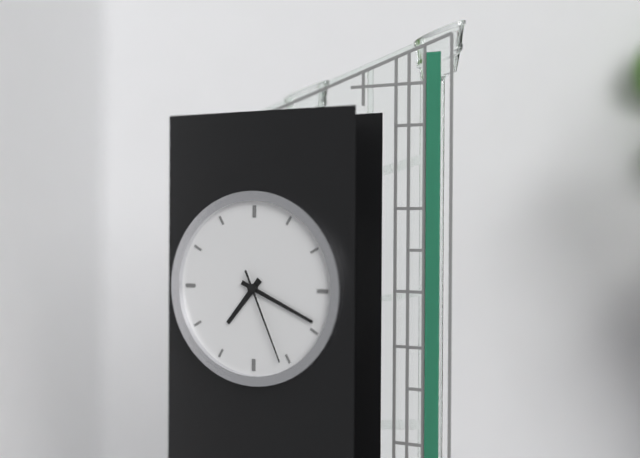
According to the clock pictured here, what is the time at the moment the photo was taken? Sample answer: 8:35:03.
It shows 7:19:26
